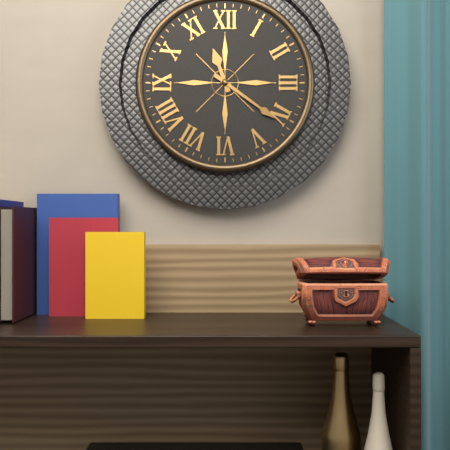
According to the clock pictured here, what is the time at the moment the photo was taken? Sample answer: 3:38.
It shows 11:21
